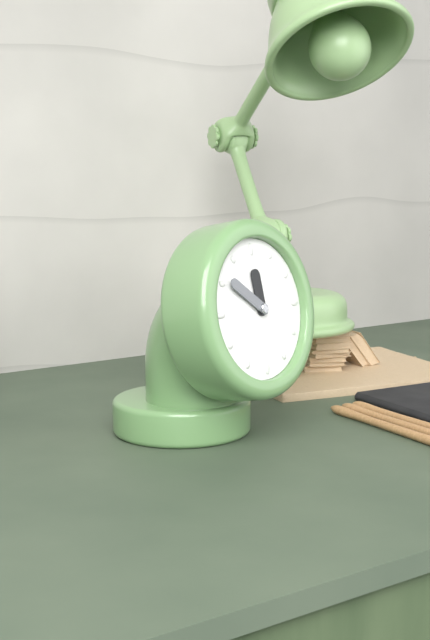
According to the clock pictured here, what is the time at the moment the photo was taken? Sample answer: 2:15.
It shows 11:51
